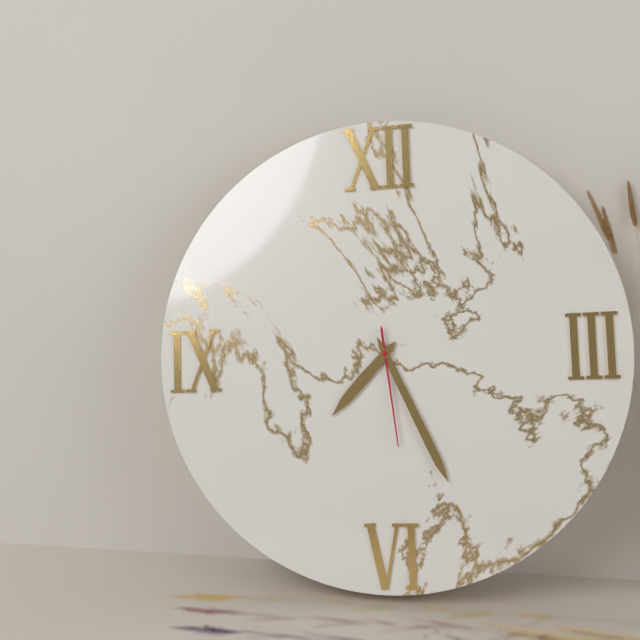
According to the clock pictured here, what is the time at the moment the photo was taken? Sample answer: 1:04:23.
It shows 7:26:29
